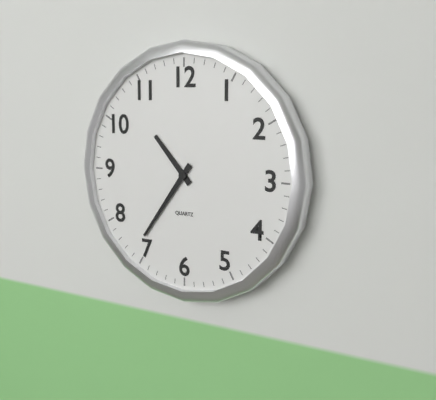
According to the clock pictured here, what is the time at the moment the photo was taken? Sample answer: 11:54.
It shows 10:36
